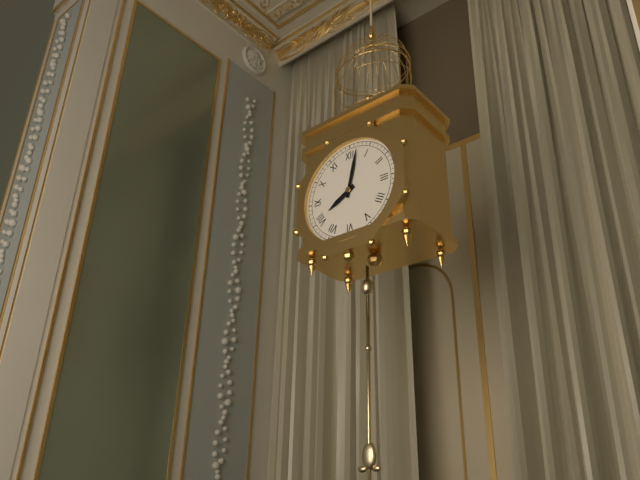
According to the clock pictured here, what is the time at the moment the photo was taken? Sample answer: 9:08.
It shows 8:02
